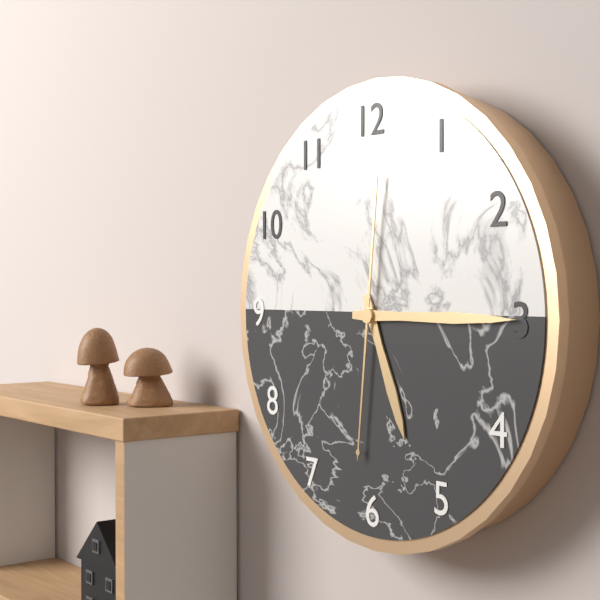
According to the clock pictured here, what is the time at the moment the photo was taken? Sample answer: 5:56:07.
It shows 5:15:31
